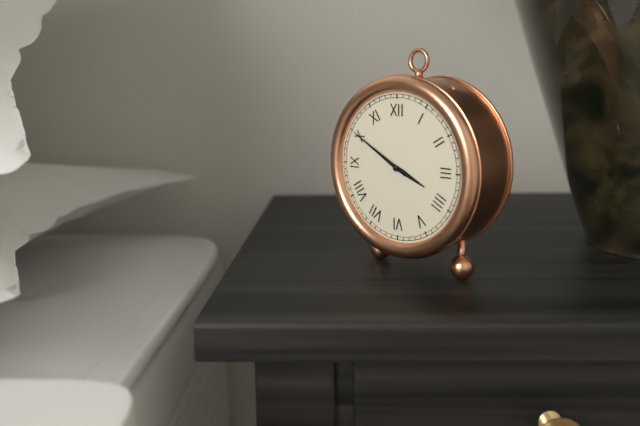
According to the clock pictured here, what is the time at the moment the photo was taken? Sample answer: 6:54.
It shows 3:50
